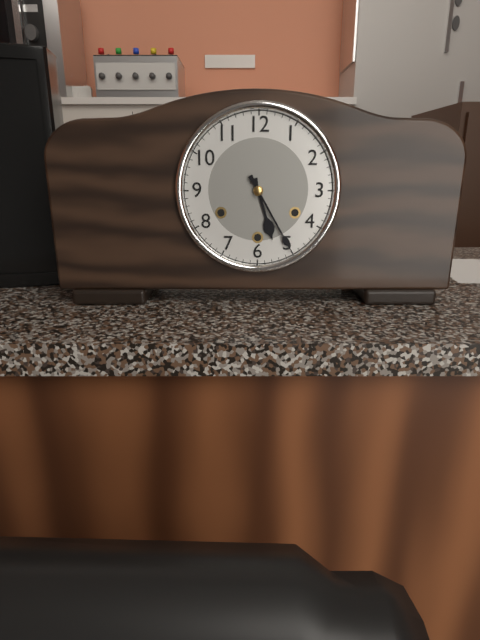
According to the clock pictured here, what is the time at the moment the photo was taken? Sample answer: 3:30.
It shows 5:25
